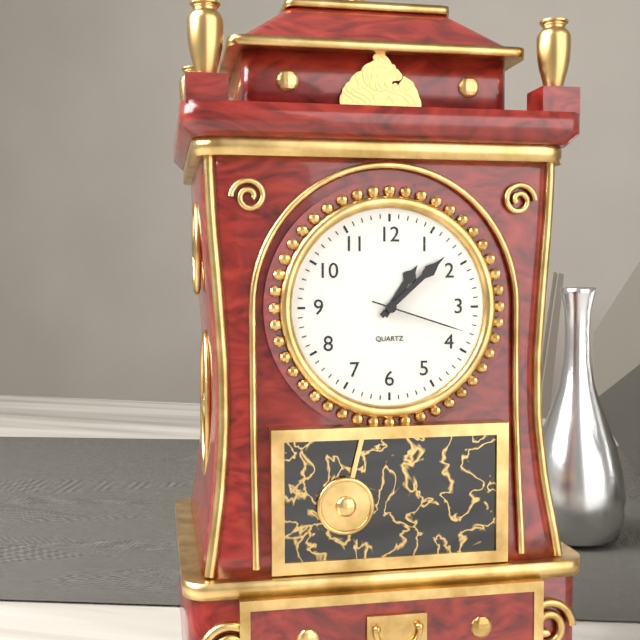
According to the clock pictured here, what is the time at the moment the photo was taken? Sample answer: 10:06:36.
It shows 1:08:18
